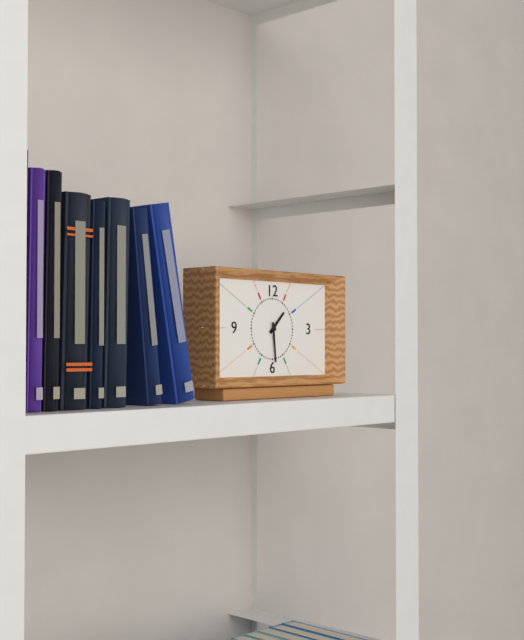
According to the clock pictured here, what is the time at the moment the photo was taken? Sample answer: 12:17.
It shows 1:29
